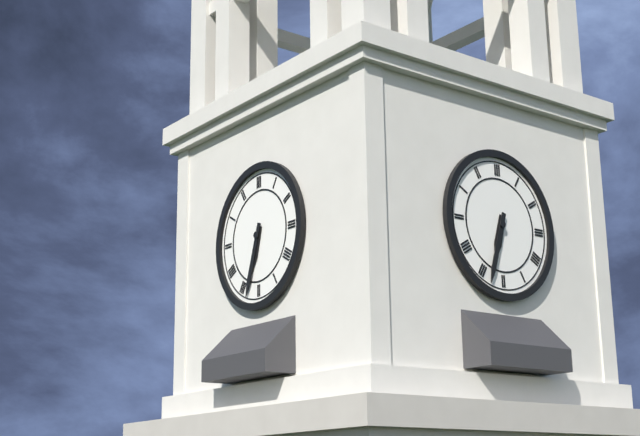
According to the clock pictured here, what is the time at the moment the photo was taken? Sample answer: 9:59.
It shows 6:33
